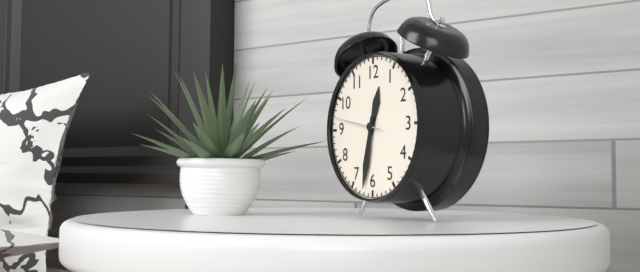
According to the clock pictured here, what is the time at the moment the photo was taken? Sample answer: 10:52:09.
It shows 12:32:47
